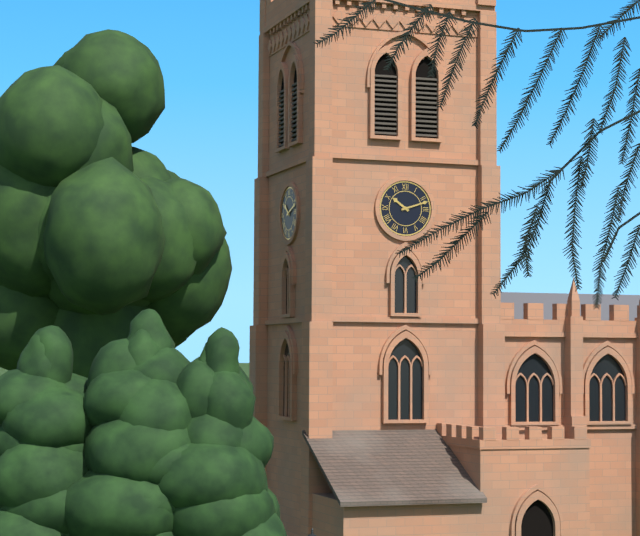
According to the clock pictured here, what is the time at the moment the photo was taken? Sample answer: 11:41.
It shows 10:12
